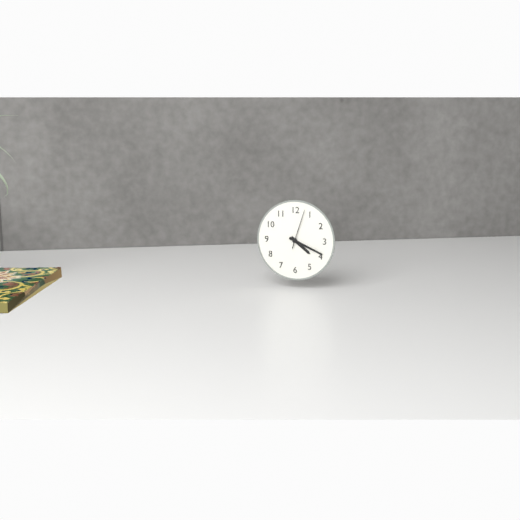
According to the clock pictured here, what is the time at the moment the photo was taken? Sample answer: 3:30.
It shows 4:19
